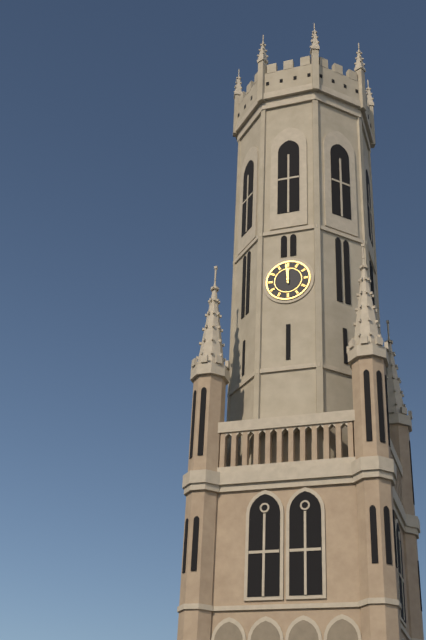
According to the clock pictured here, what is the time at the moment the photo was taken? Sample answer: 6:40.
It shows 11:59
